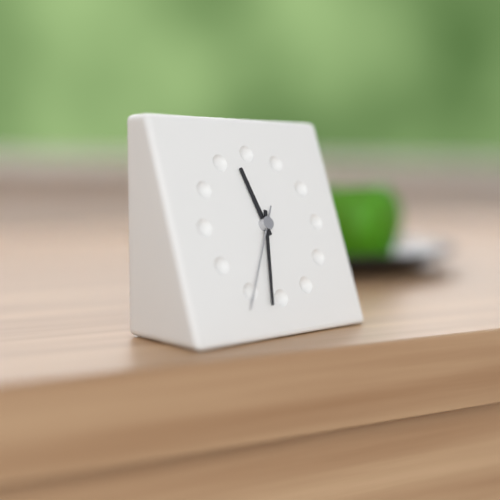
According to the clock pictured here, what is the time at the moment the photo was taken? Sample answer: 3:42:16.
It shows 11:32:35
